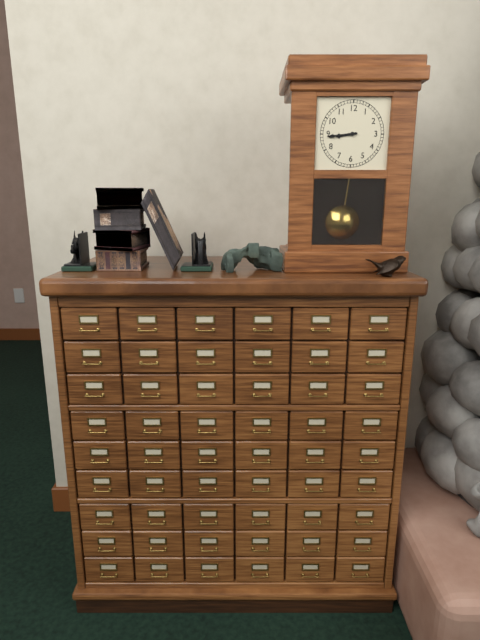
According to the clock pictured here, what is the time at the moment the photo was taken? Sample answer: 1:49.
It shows 8:44
